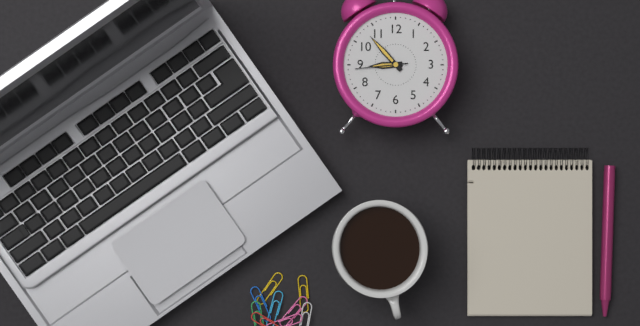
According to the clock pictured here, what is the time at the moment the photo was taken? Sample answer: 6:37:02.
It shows 8:53:44
